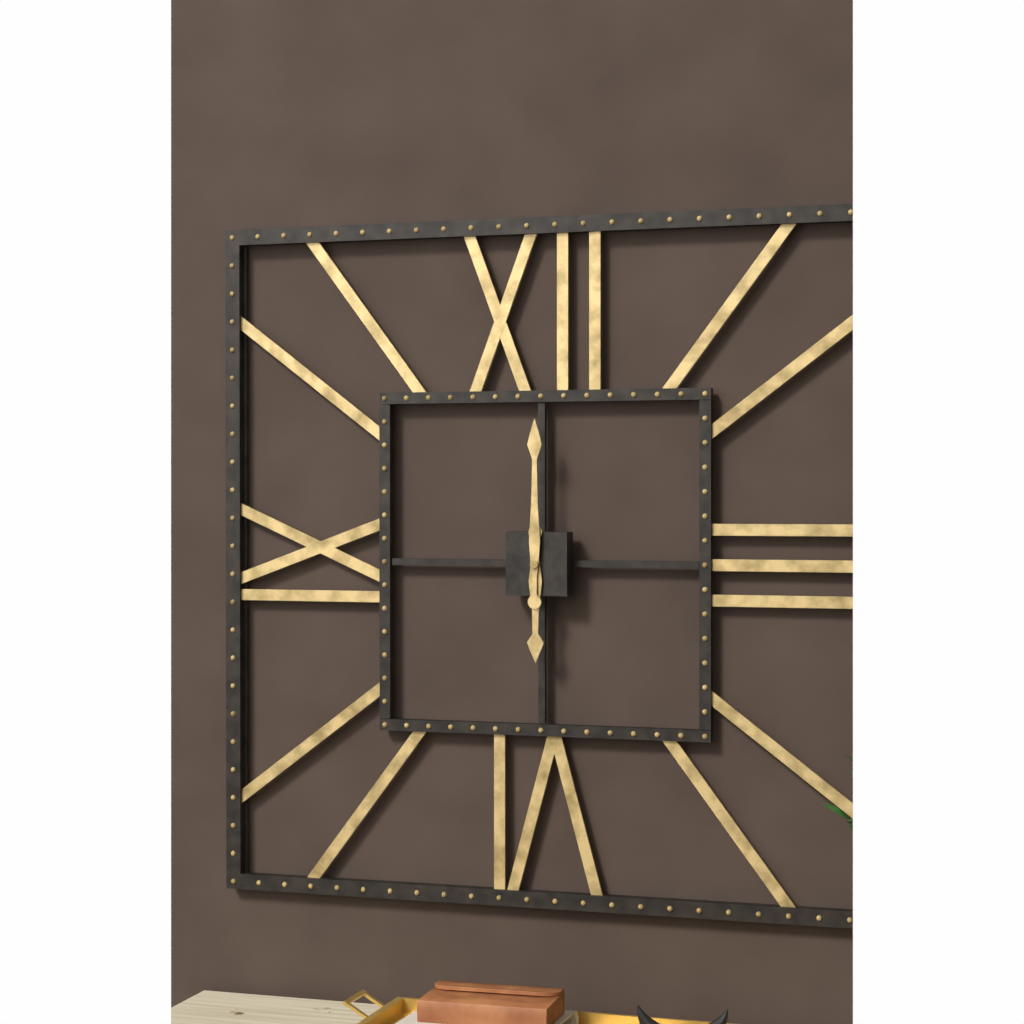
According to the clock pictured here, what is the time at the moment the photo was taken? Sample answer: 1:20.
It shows 6:00
